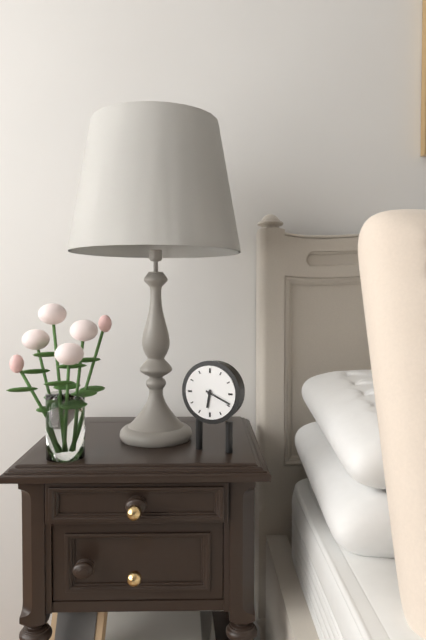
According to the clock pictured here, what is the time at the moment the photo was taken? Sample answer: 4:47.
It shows 6:19
